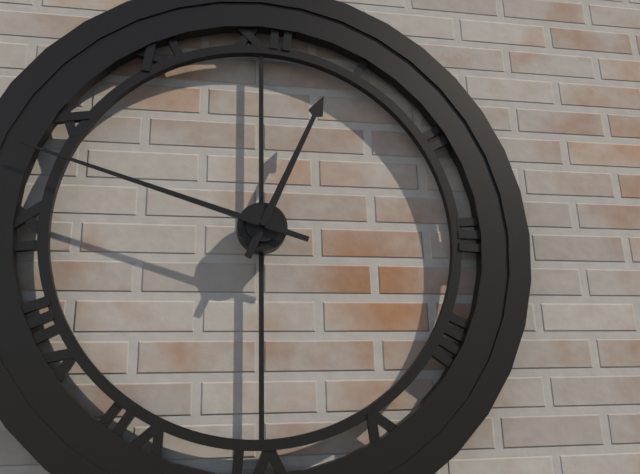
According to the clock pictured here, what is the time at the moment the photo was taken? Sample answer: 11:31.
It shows 12:48
